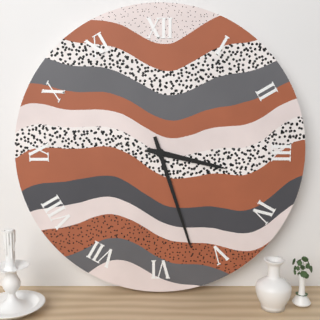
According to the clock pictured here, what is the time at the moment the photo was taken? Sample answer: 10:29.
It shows 3:27
